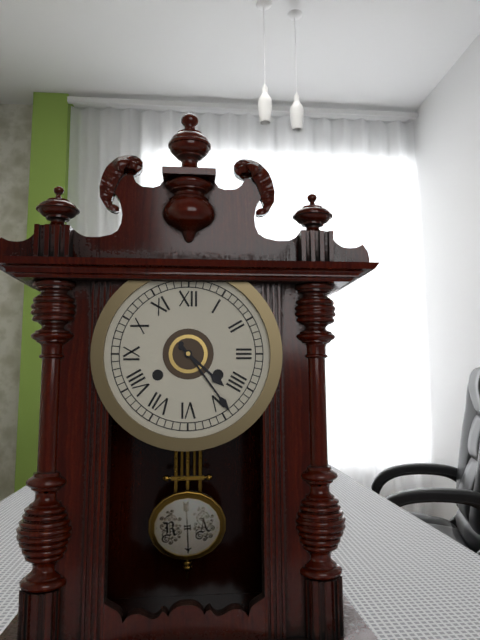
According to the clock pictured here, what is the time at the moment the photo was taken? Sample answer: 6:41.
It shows 4:24
